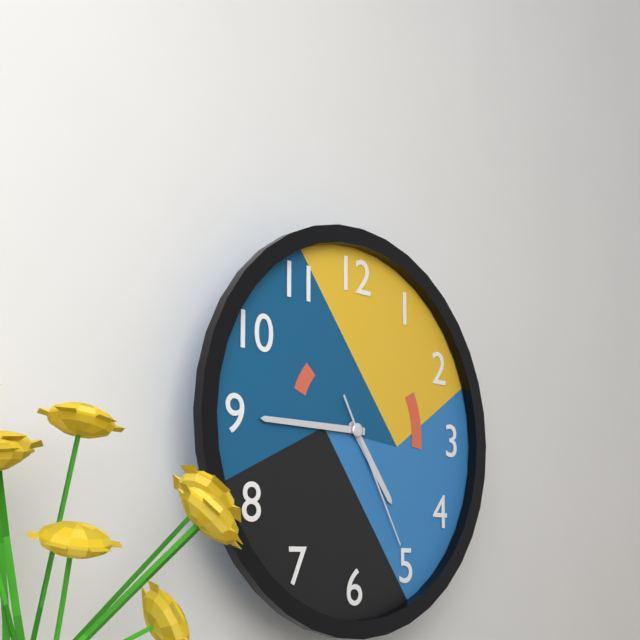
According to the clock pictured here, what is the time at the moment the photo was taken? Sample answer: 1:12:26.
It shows 4:45:25
